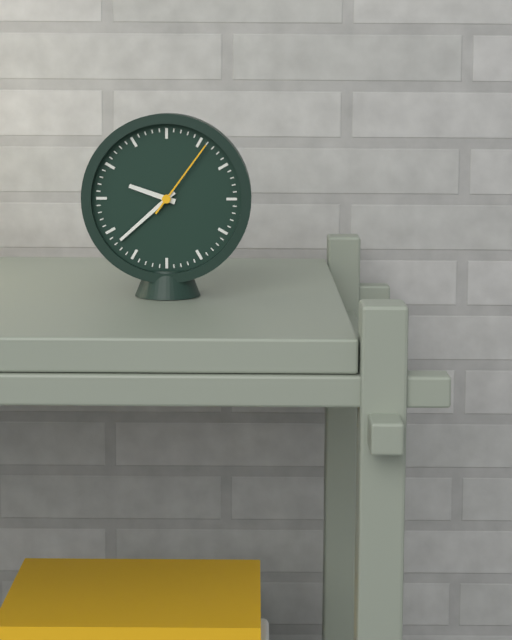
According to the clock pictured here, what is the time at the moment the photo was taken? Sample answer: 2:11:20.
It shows 9:38:06
